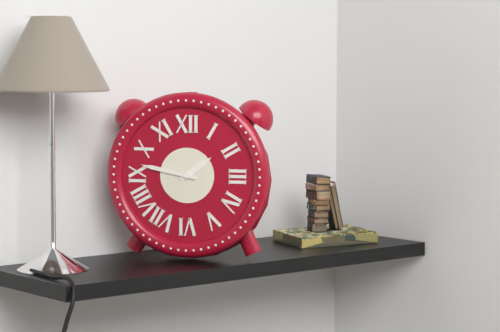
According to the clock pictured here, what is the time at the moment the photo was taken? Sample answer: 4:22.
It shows 1:47
